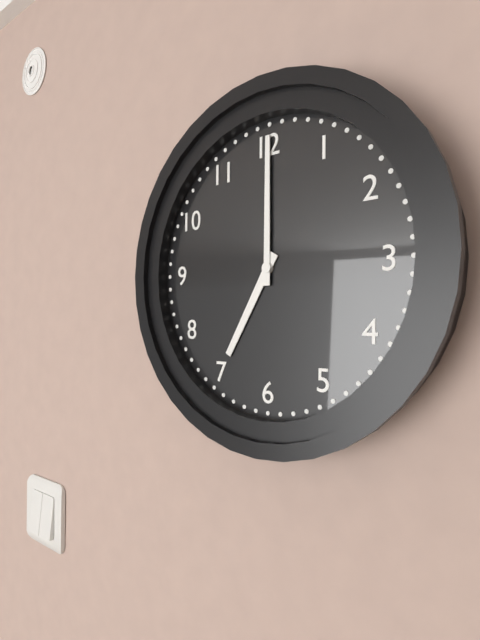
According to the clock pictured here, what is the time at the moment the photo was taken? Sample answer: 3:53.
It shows 7:00
